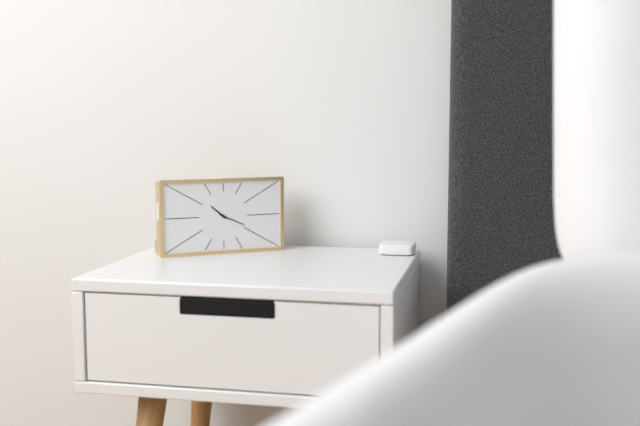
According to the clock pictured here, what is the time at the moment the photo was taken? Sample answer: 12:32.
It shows 10:19
